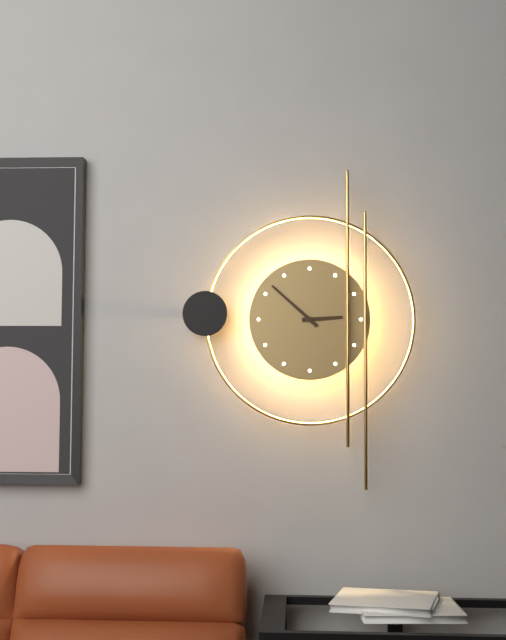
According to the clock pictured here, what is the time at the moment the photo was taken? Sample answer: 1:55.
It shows 2:52
